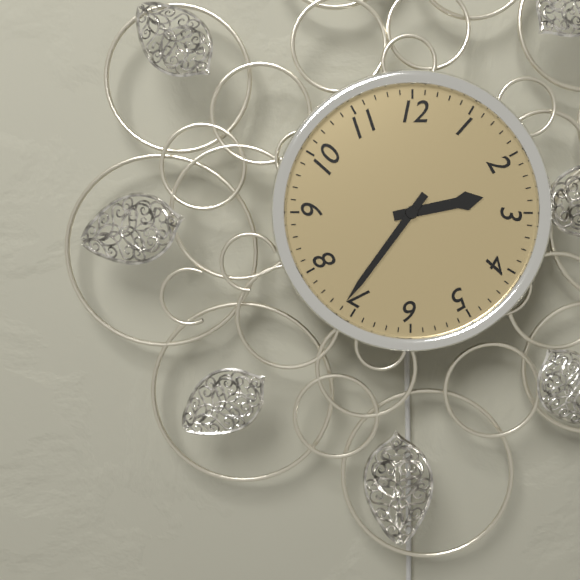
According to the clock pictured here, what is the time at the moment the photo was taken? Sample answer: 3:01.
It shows 2:36
